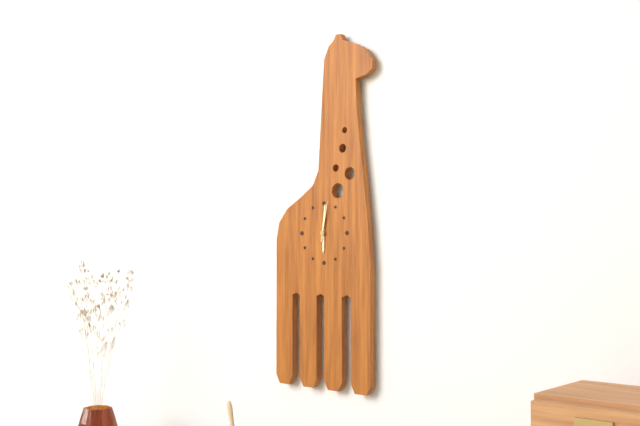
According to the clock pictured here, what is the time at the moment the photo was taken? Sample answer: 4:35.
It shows 6:01
